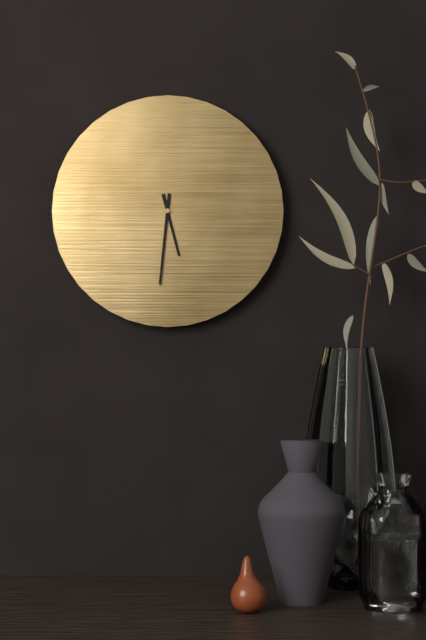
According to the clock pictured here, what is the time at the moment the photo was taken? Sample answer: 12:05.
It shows 5:31
